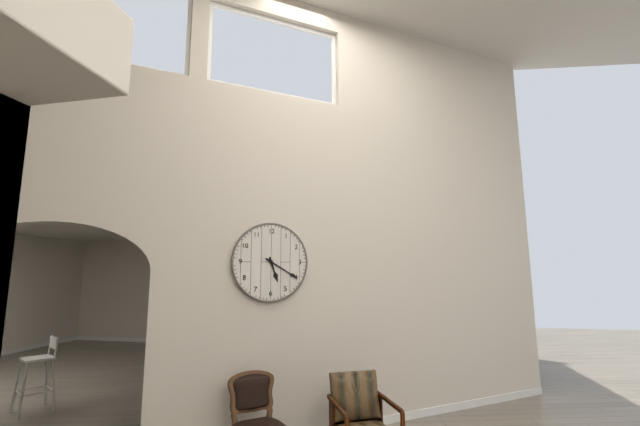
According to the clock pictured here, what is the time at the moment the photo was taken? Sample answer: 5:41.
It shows 5:20
